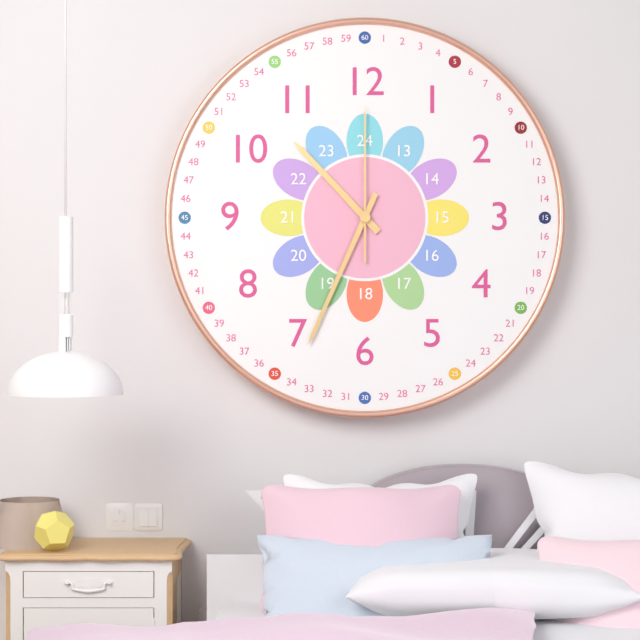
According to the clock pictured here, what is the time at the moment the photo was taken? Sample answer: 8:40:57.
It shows 10:34:00
